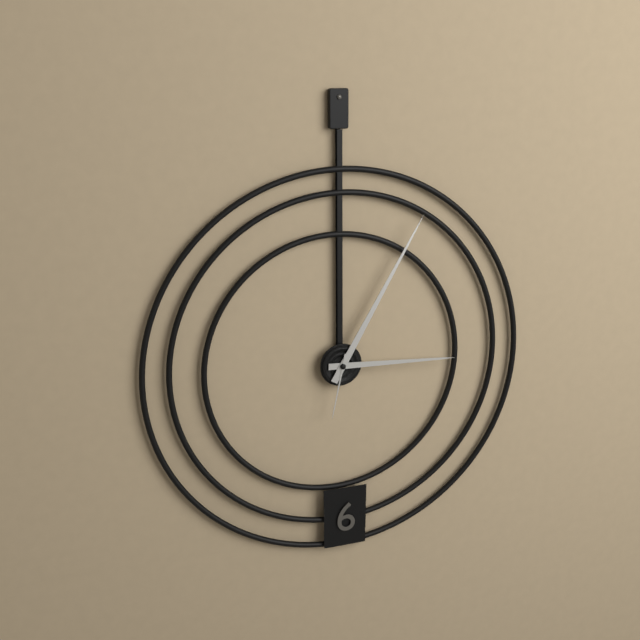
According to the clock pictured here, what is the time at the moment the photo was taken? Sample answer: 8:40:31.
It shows 3:05:32
